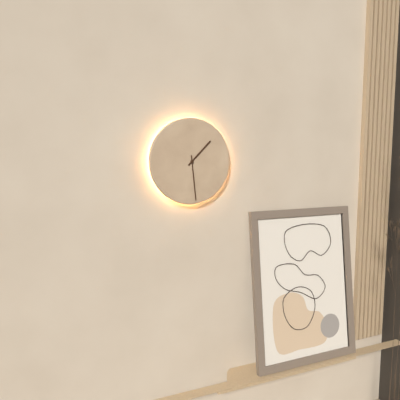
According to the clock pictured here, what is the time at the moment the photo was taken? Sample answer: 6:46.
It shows 1:29
